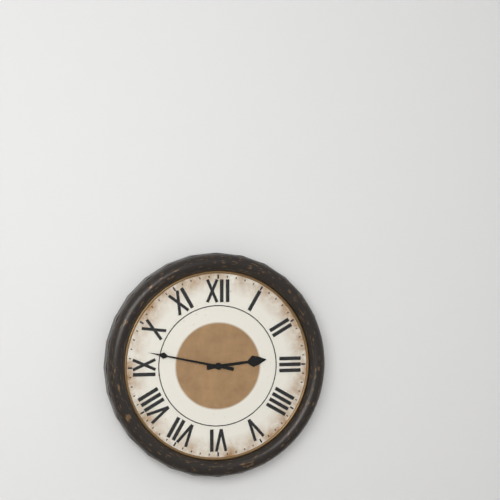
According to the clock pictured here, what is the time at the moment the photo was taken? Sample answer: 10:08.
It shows 2:47
